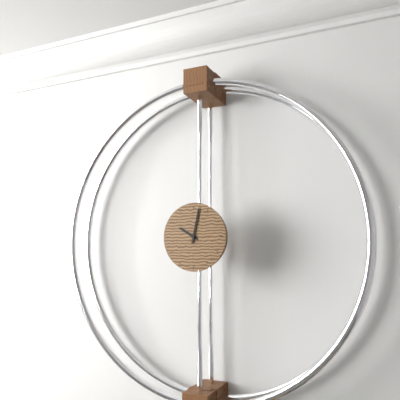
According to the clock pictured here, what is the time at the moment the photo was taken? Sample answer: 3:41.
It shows 10:02
